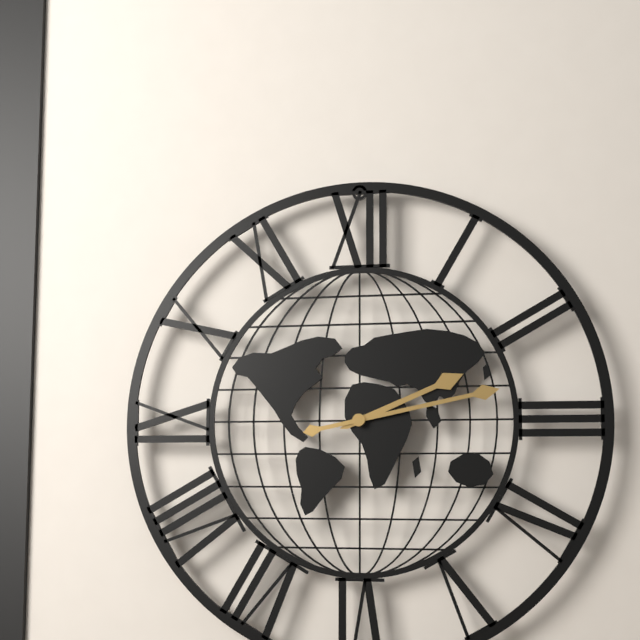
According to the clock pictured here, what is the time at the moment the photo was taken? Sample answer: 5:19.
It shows 2:13
